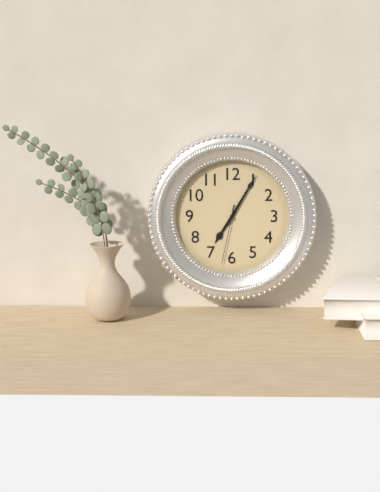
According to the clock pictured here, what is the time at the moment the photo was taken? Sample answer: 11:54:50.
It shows 7:05:32
